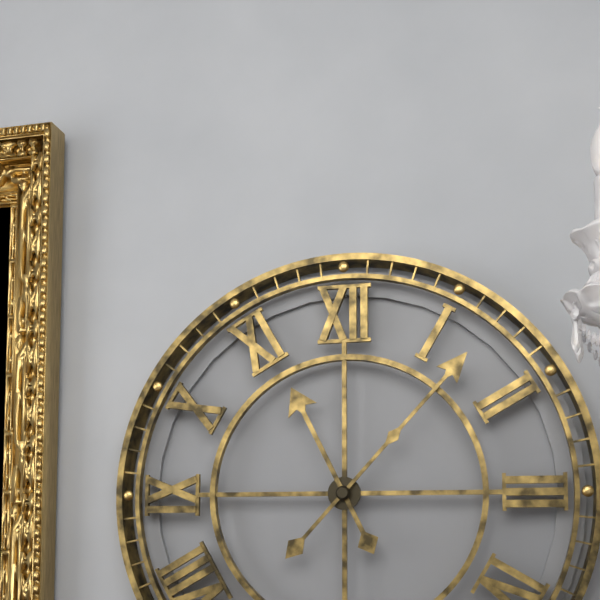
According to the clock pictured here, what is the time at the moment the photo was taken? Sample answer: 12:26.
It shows 11:07
